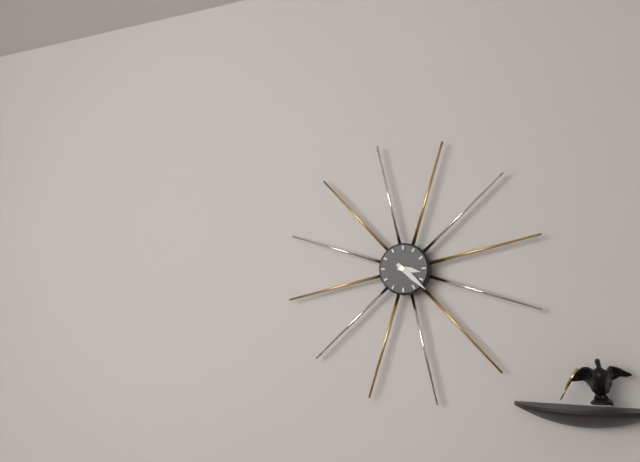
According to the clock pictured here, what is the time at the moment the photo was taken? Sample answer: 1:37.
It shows 3:22
